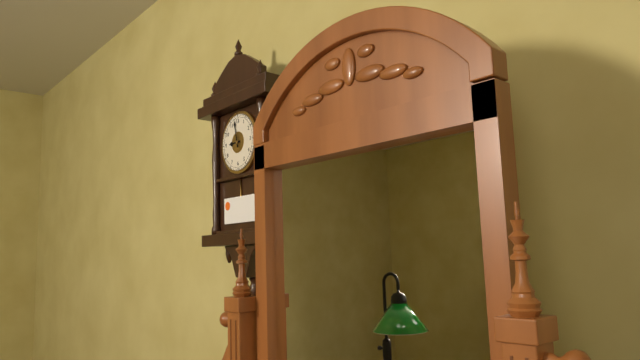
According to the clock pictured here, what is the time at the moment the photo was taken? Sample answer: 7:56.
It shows 8:58
